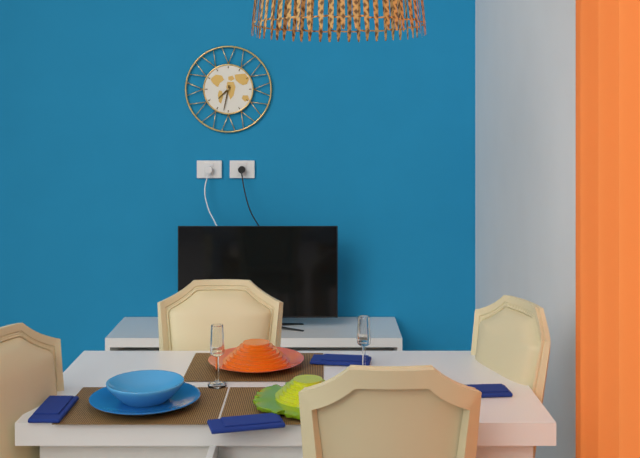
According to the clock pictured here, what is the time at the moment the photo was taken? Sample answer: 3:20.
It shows 7:32
